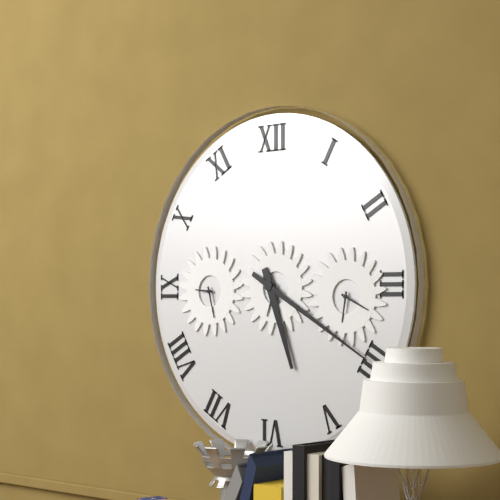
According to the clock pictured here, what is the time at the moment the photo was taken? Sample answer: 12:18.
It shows 5:20
